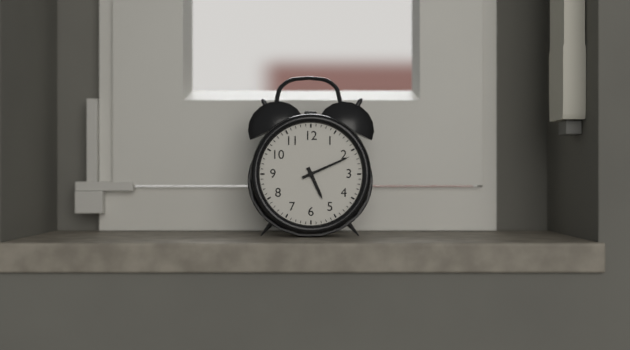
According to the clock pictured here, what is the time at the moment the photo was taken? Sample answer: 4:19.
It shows 5:11
